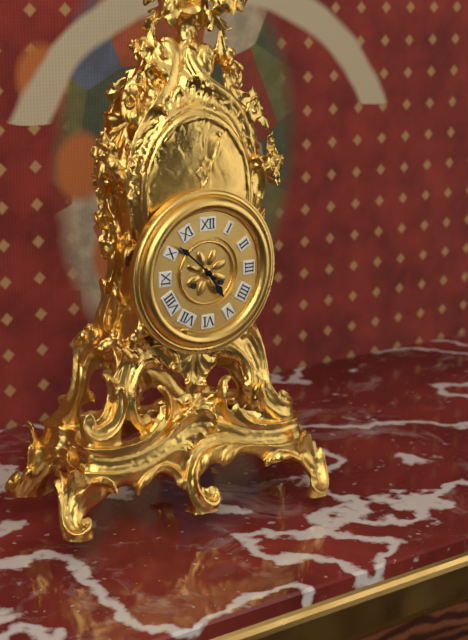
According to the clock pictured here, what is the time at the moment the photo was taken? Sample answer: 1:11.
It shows 4:52
